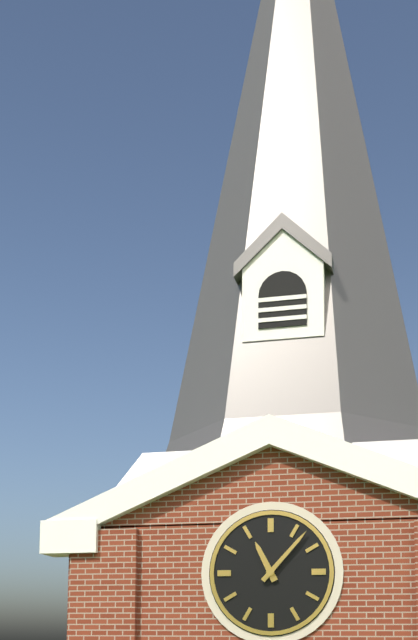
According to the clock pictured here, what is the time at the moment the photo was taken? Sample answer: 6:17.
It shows 11:07
